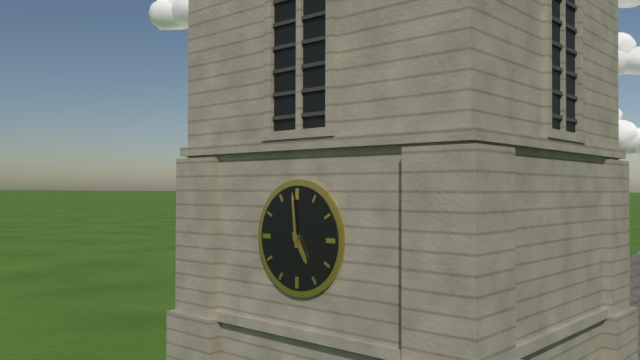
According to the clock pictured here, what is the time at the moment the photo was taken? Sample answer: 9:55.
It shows 4:59
